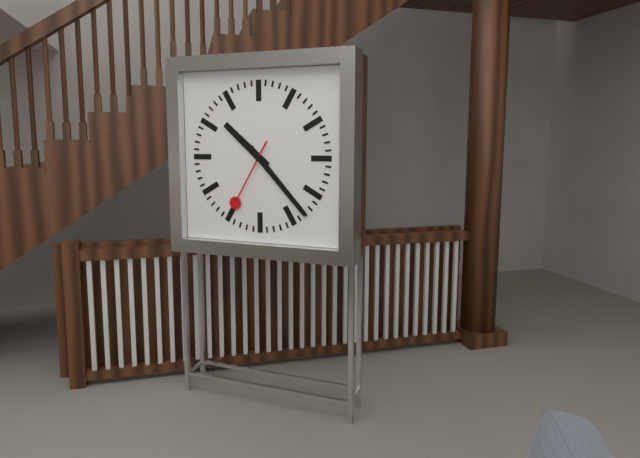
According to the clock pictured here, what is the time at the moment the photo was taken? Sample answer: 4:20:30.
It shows 10:23:35
